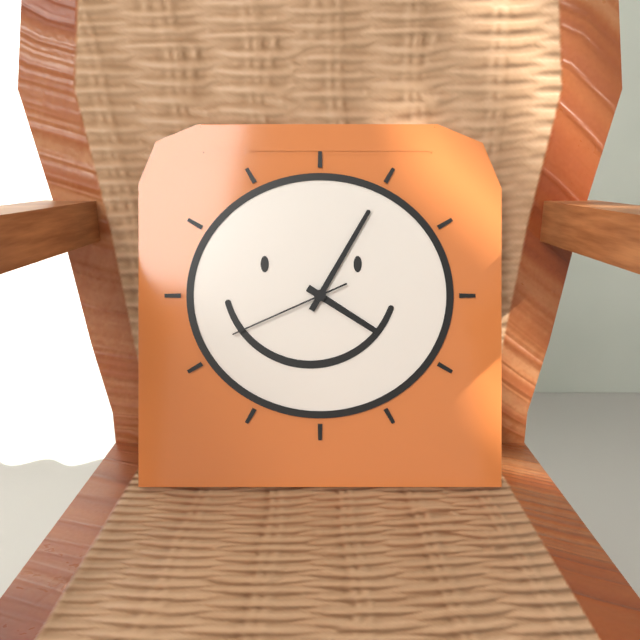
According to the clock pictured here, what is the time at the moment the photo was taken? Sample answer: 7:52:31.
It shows 4:05:41
